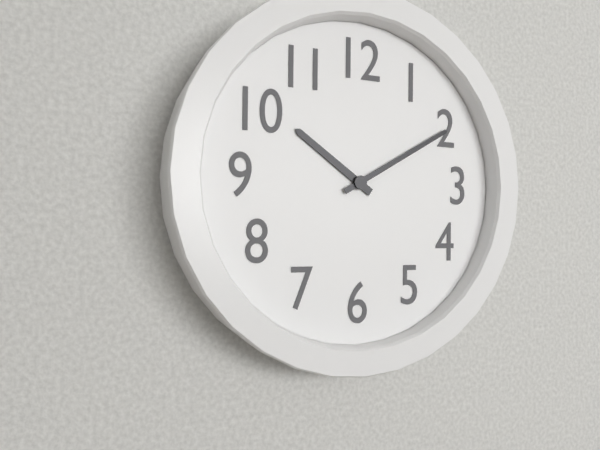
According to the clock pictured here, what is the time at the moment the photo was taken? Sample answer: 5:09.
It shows 10:10
